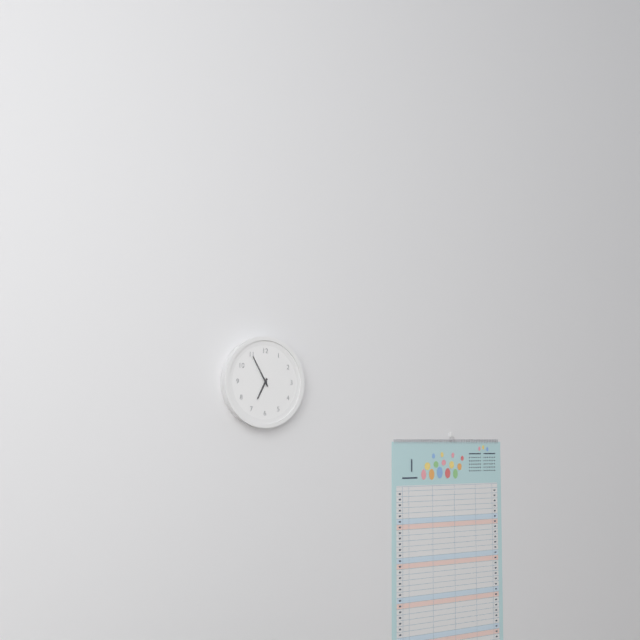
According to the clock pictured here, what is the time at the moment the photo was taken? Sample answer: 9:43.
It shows 6:55
